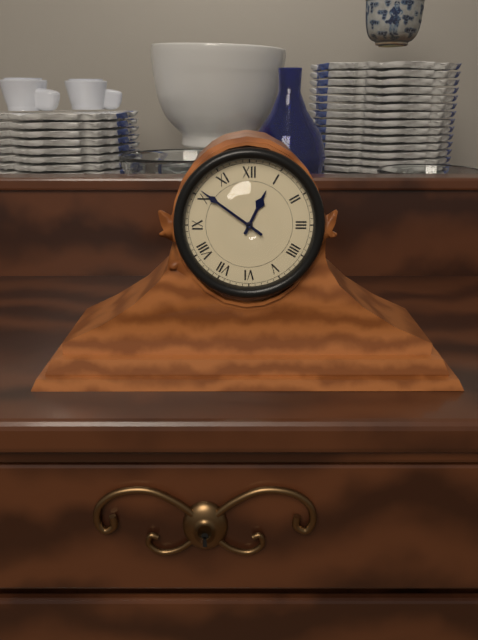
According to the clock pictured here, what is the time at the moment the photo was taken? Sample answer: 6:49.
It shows 12:51
